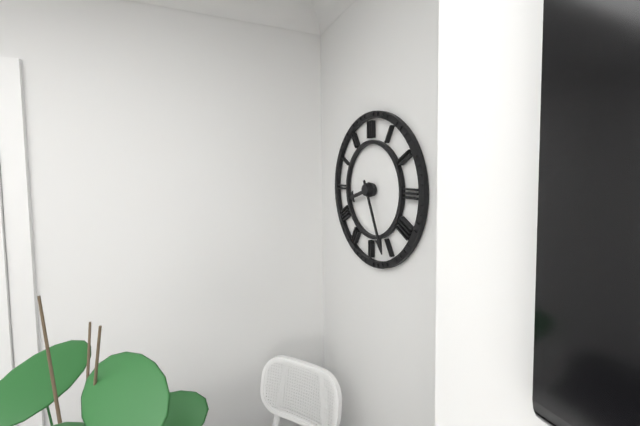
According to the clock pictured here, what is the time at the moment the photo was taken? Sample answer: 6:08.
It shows 8:26
